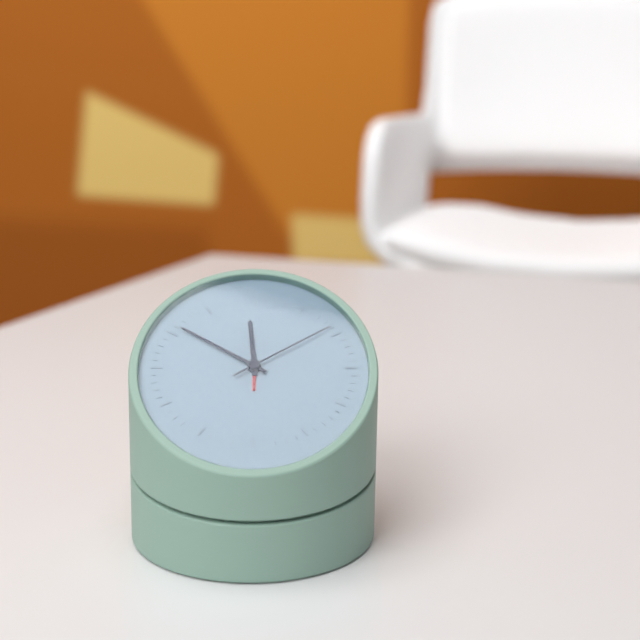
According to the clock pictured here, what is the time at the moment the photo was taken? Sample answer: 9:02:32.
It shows 11:51:09
